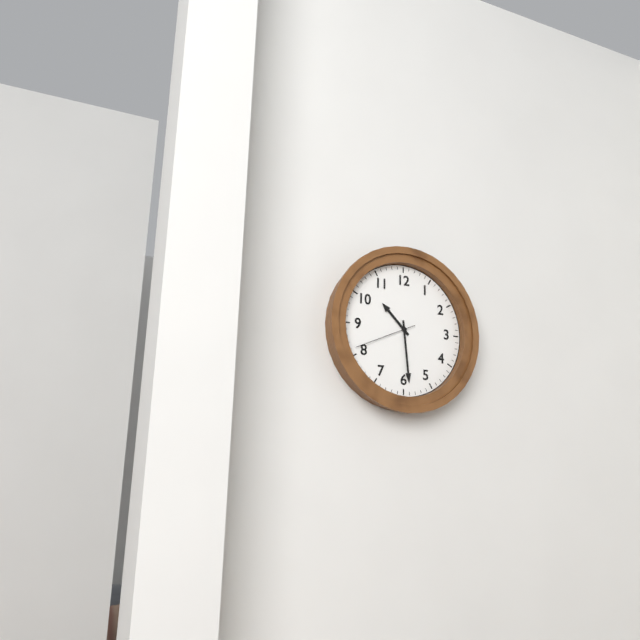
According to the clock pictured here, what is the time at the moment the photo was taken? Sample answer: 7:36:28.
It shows 10:29:41
